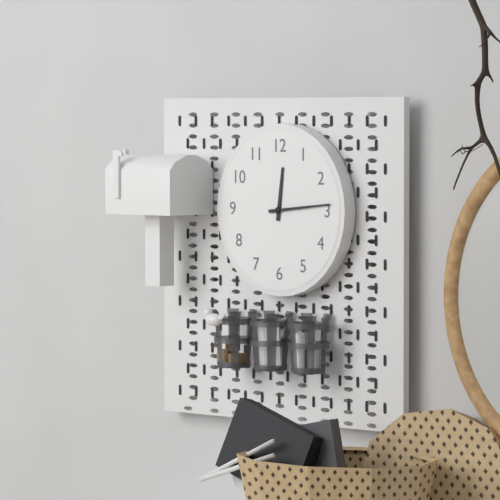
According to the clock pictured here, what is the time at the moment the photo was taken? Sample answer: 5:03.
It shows 12:14
